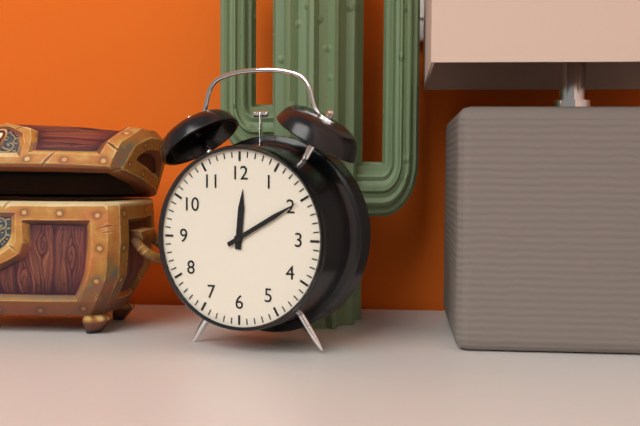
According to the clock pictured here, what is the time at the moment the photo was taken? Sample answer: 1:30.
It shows 12:10
